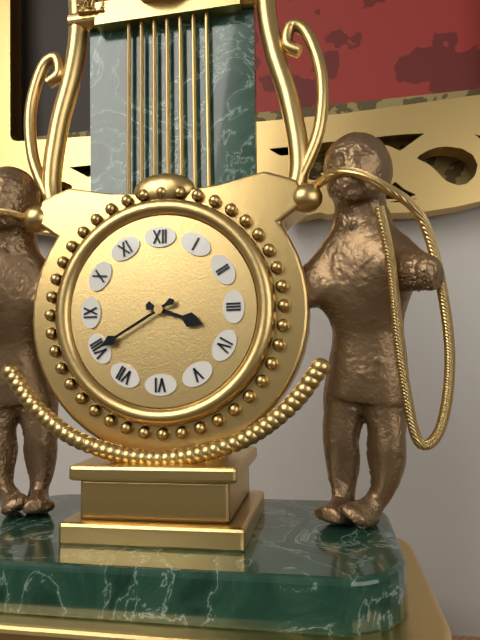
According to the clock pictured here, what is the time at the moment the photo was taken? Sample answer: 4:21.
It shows 3:40
